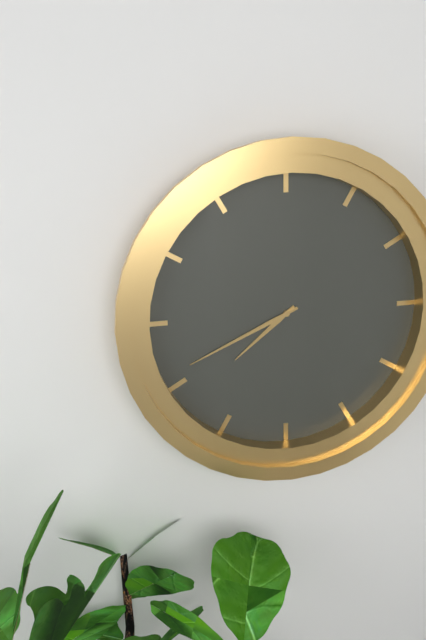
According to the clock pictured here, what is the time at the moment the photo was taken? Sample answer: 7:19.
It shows 7:41
